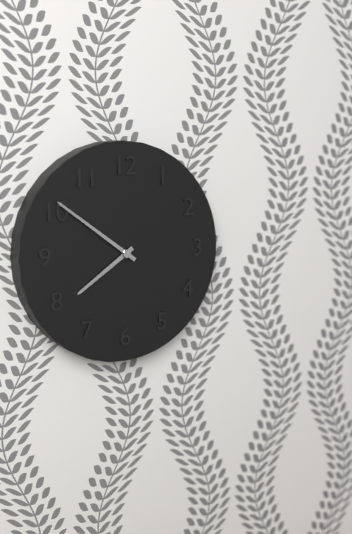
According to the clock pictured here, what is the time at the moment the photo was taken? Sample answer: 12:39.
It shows 7:51
